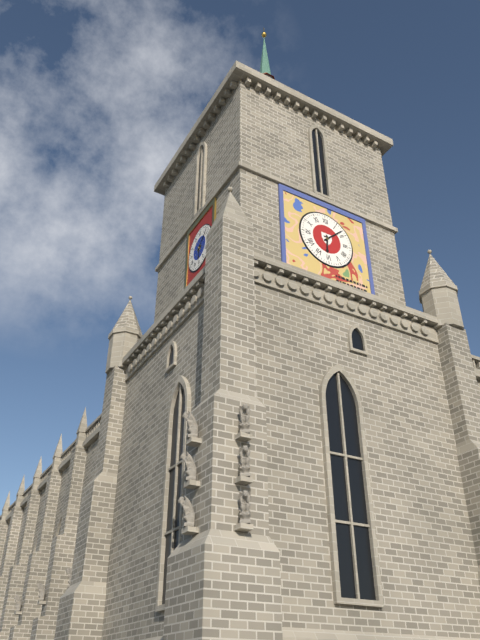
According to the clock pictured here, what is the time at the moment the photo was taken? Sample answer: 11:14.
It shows 6:08
